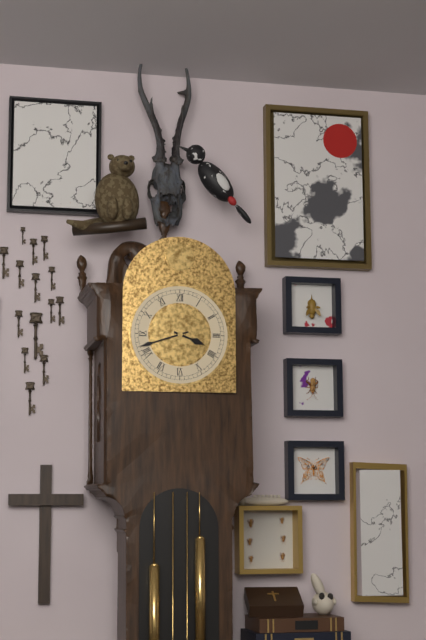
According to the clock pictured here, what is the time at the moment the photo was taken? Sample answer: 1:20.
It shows 3:42
